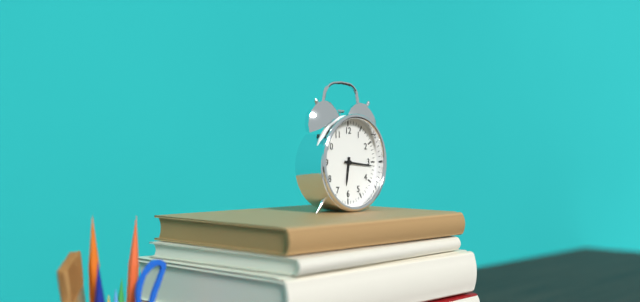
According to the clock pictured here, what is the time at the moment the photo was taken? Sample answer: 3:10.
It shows 6:16
